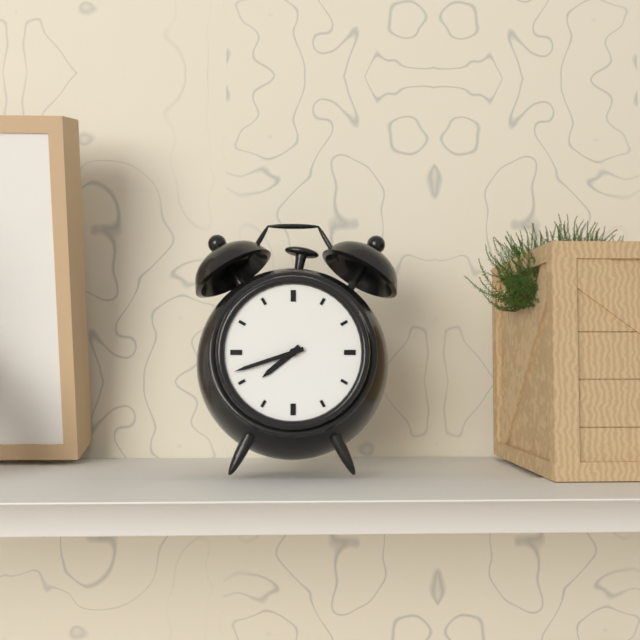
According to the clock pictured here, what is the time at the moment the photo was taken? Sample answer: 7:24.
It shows 7:42
